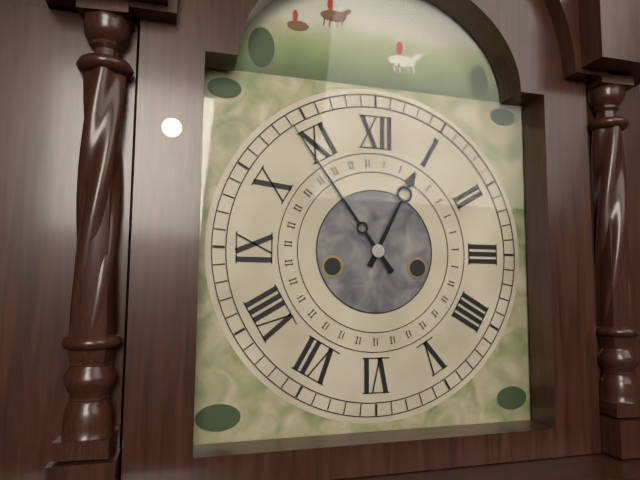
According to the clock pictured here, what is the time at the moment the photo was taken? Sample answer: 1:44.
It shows 12:54
